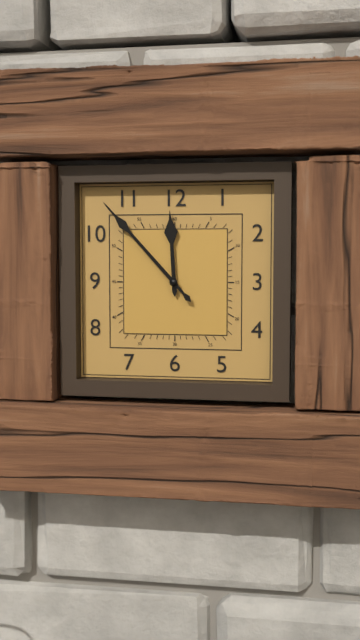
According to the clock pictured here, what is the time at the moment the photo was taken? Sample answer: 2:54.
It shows 11:53
